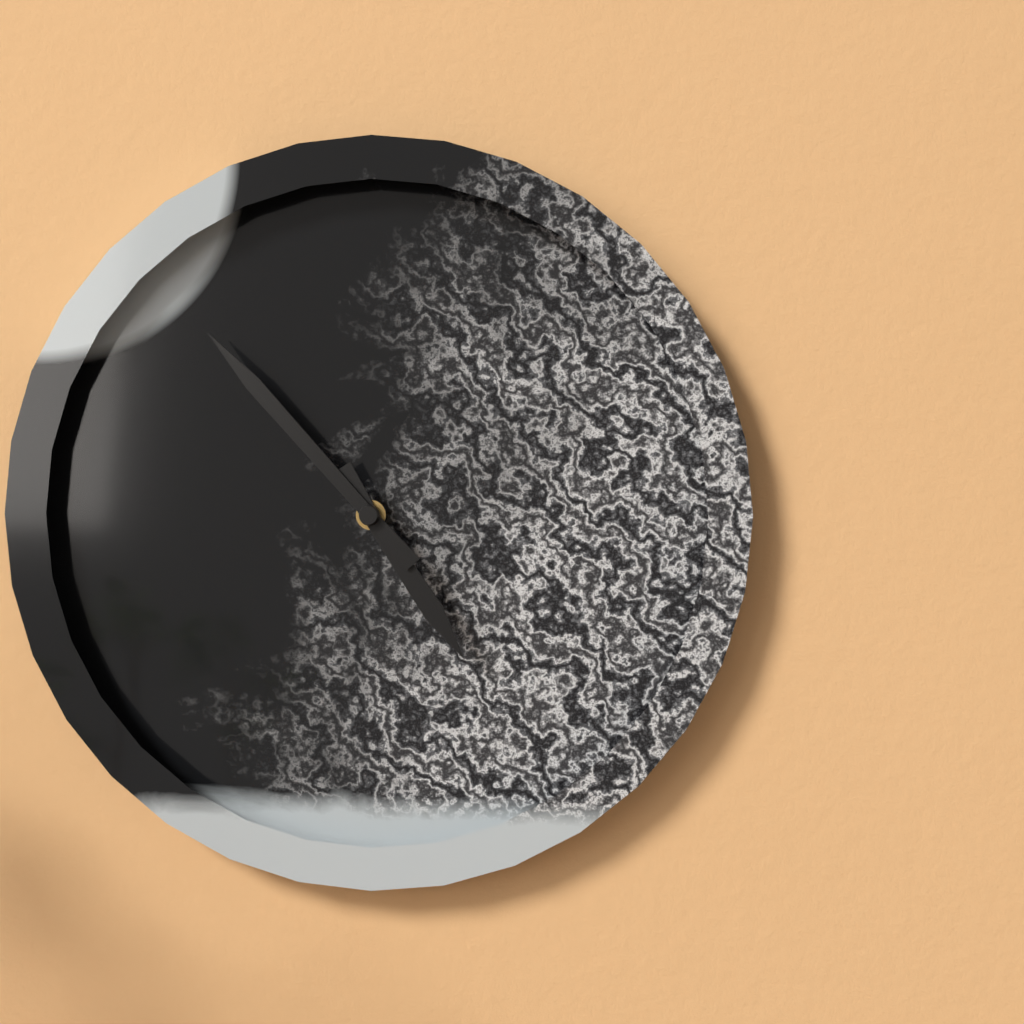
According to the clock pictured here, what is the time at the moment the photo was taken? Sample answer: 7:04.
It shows 4:53
